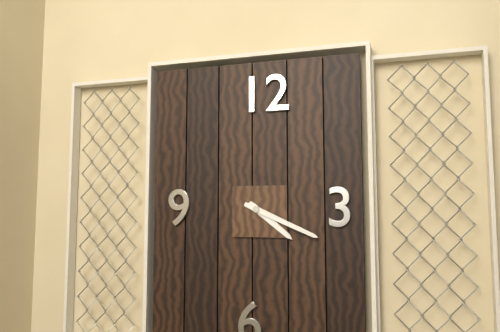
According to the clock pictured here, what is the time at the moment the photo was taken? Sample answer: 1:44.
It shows 4:19
